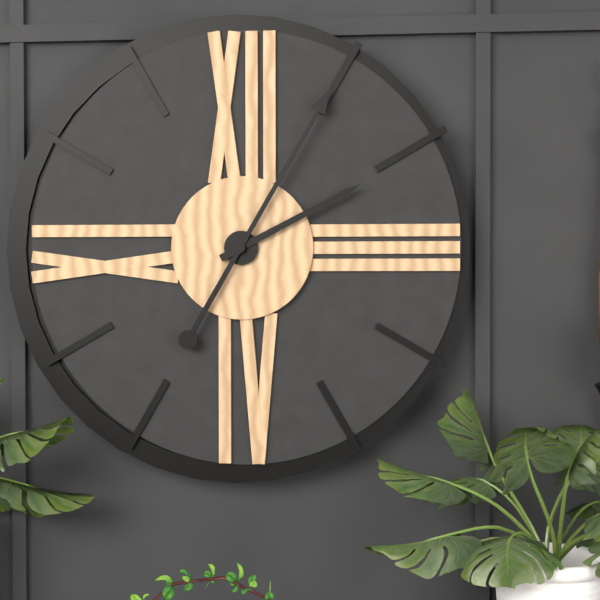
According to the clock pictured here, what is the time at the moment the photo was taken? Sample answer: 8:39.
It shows 2:05
